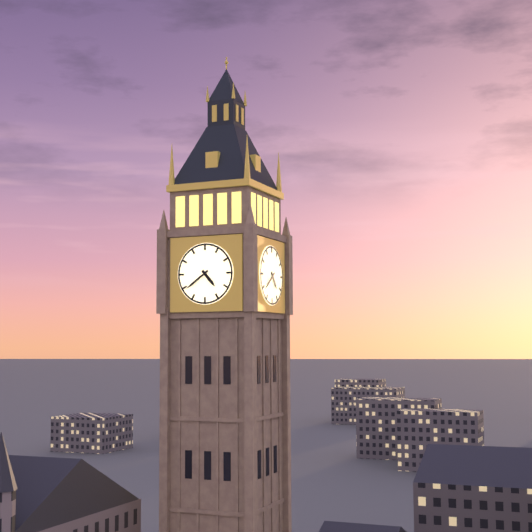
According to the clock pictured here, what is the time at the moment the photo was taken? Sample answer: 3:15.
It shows 4:39
